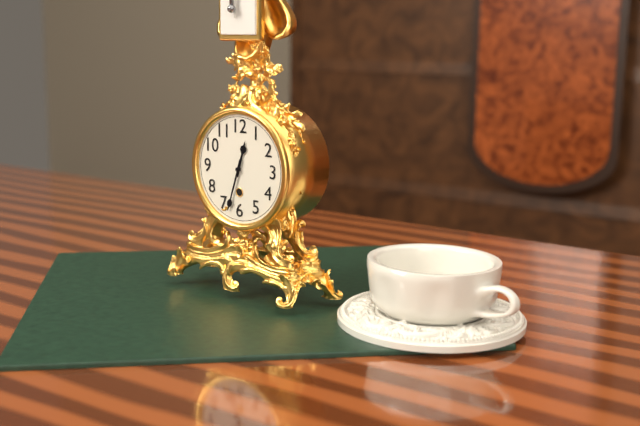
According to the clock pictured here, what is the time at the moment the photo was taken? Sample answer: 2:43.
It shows 12:33
